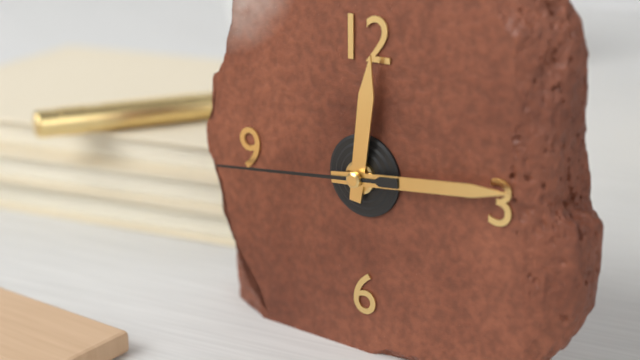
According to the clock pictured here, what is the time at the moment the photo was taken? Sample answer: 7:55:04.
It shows 12:14:44
